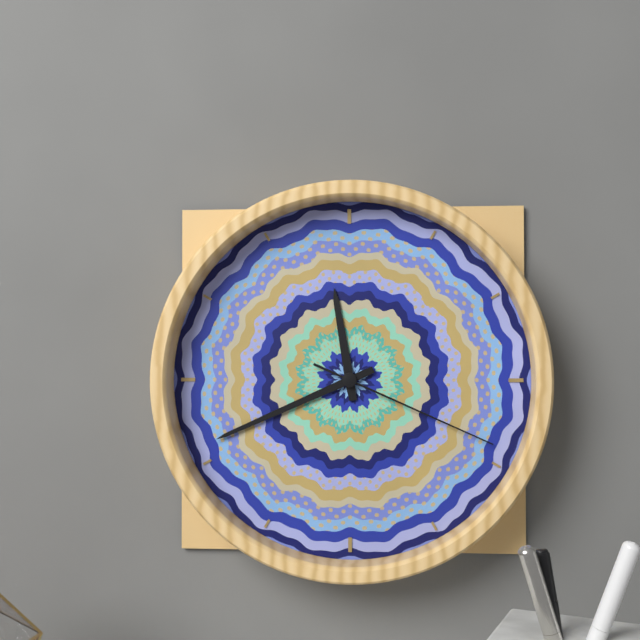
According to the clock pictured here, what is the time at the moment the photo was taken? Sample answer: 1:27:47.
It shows 11:41:19
